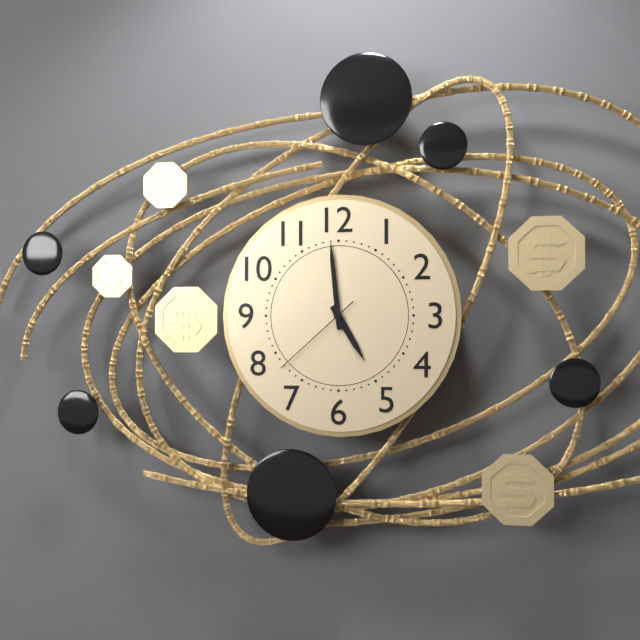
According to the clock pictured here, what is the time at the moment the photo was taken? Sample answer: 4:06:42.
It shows 4:59:38
